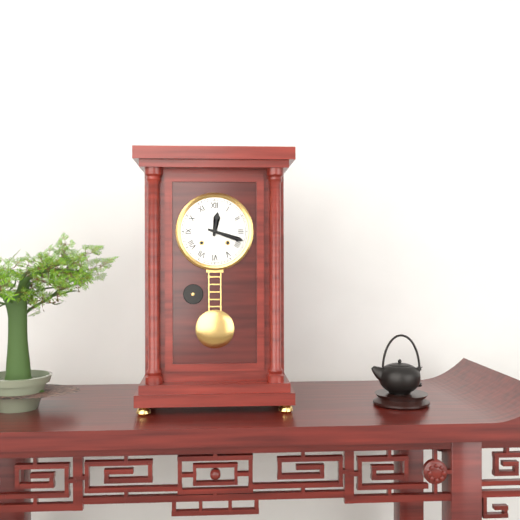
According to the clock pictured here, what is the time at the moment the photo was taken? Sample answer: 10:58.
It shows 12:18
